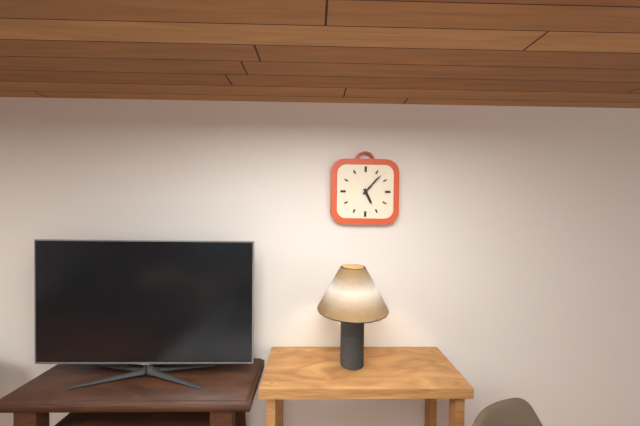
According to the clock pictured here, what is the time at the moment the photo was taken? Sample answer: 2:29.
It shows 5:07
